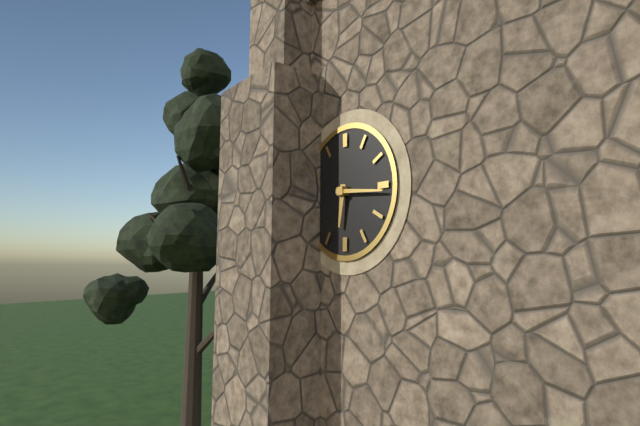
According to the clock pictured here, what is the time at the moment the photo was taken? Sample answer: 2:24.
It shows 6:16
